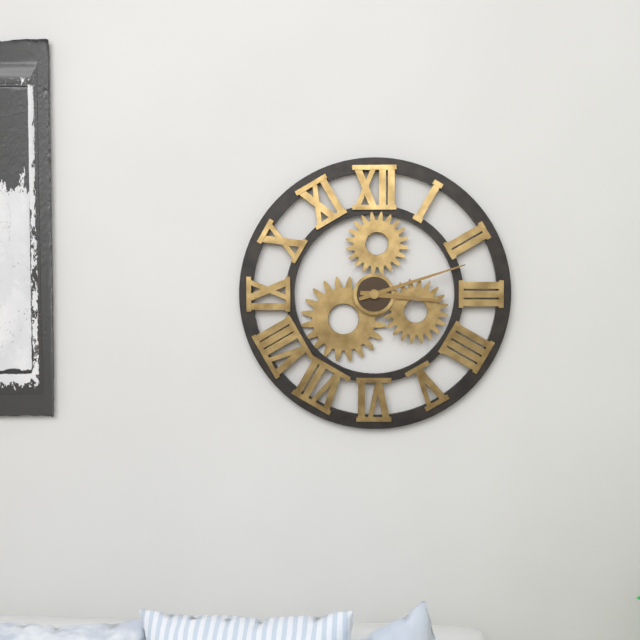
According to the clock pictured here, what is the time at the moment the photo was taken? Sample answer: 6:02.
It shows 3:12
